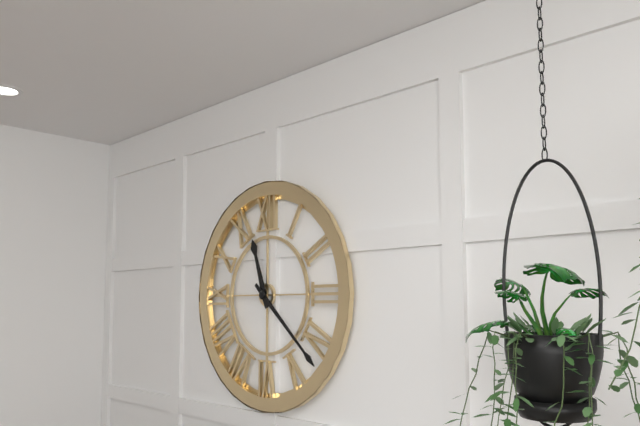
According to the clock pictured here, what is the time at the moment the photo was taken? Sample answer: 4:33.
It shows 11:22
